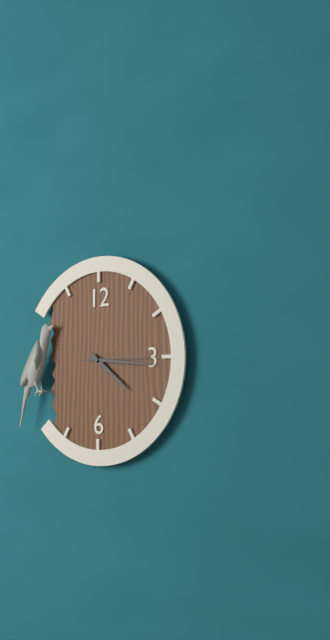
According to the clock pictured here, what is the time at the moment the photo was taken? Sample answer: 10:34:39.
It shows 4:16:15
